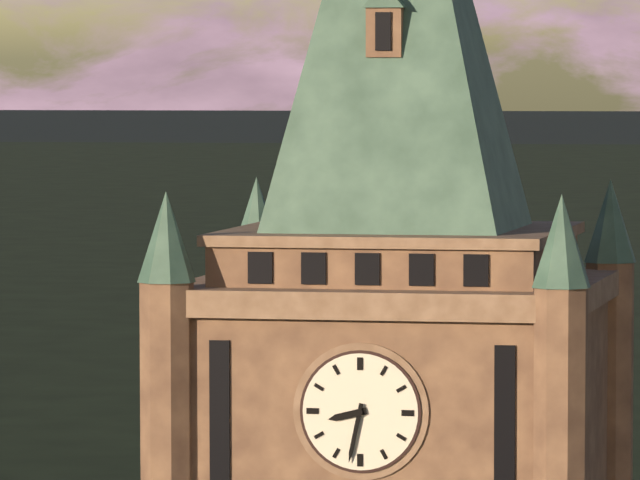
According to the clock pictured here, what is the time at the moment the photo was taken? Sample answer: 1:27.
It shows 8:32
